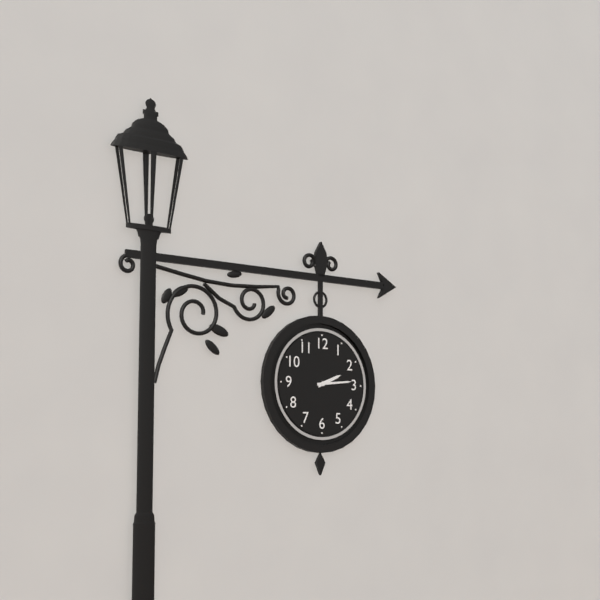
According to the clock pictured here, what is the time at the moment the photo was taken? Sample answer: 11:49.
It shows 2:14
